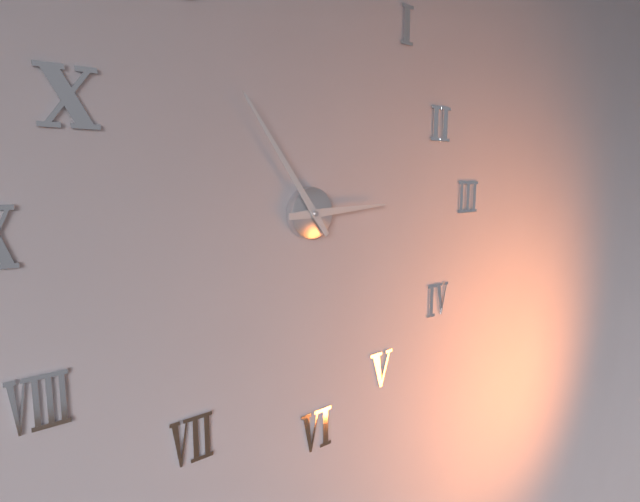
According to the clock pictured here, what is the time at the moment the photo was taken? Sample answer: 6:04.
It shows 2:54
